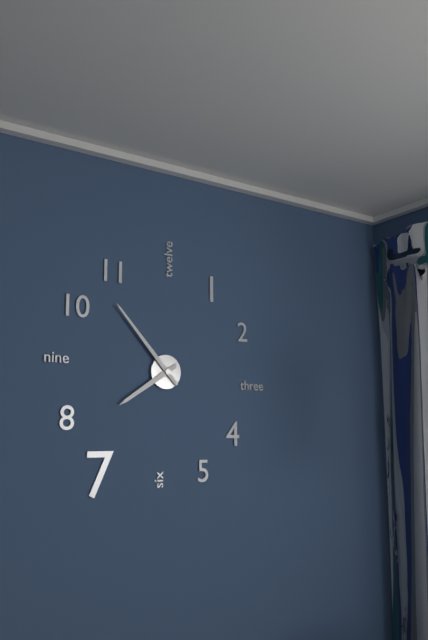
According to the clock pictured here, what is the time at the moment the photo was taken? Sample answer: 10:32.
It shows 7:53
